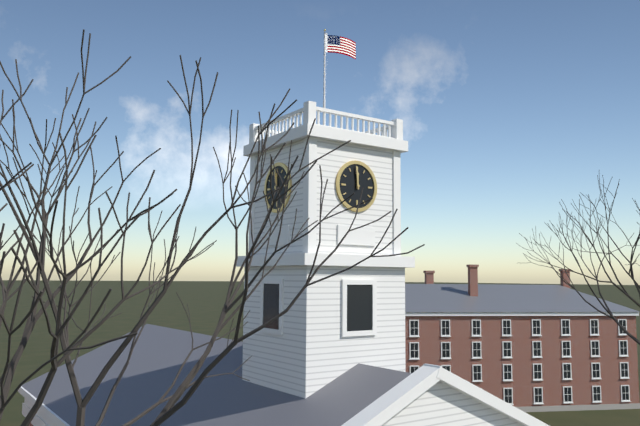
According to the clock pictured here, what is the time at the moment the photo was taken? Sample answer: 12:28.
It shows 11:59
